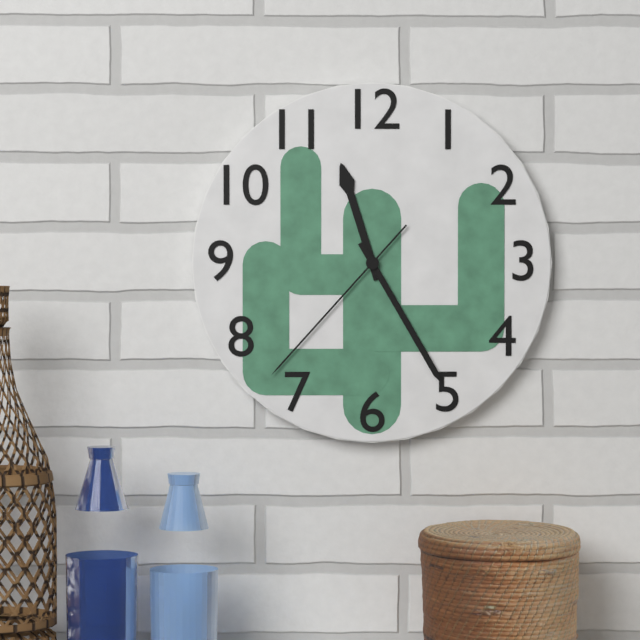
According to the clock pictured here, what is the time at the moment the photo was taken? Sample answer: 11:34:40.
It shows 11:25:37
